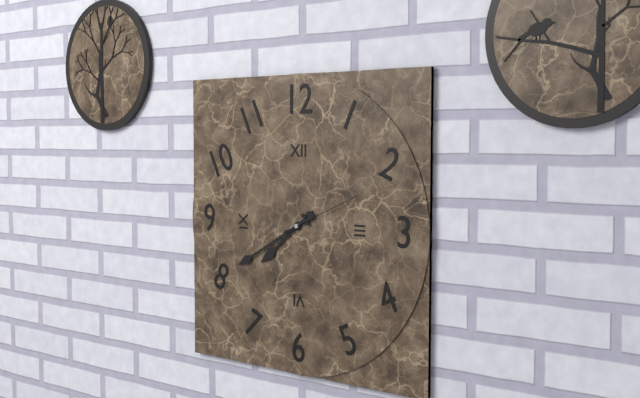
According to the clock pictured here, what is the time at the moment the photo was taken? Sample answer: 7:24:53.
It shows 7:40:11
